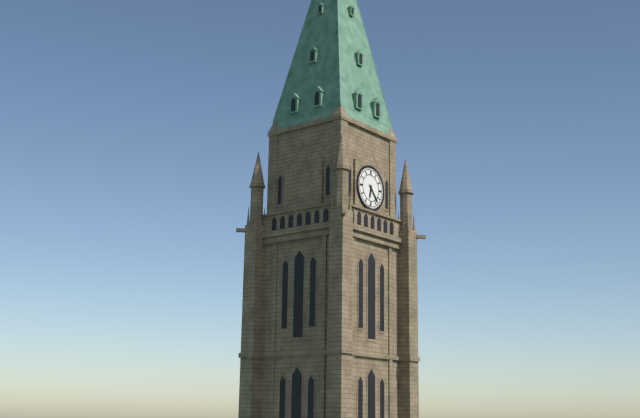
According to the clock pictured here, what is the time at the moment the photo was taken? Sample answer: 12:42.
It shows 6:23
